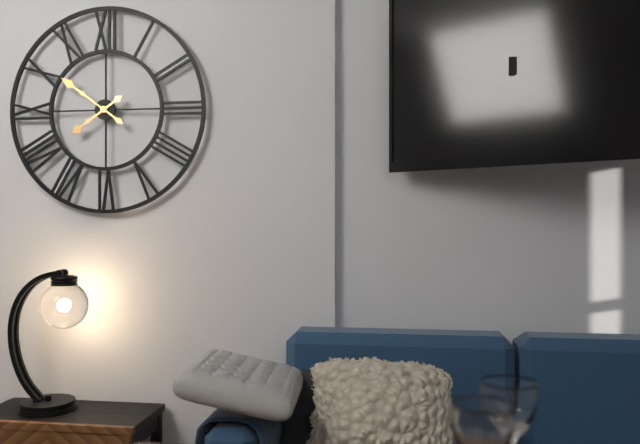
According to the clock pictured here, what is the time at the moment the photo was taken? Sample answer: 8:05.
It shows 7:51
